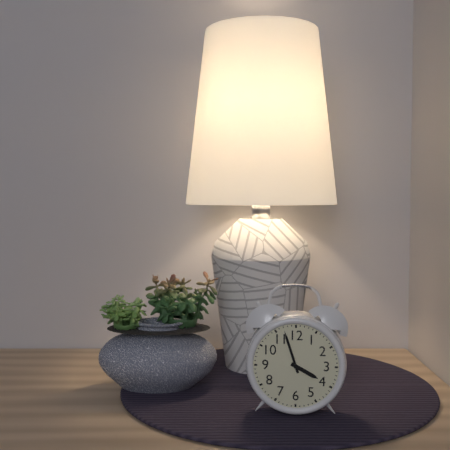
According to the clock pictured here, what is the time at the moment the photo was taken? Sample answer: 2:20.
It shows 3:57
